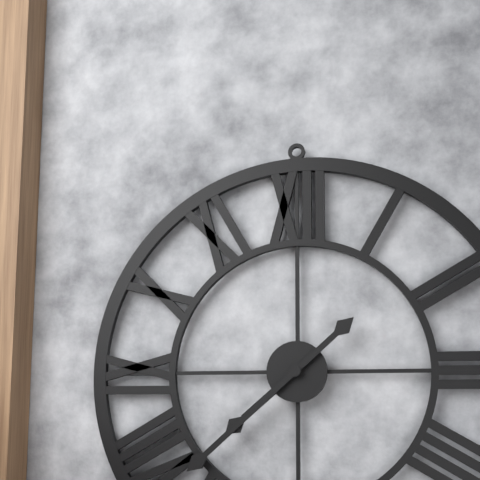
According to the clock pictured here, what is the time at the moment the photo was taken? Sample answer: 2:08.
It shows 7:38
